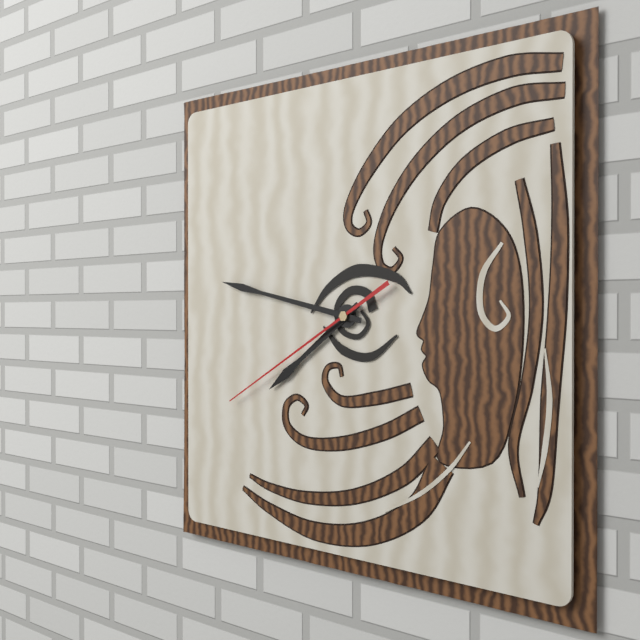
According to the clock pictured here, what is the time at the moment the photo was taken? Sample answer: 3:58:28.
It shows 7:47:40
